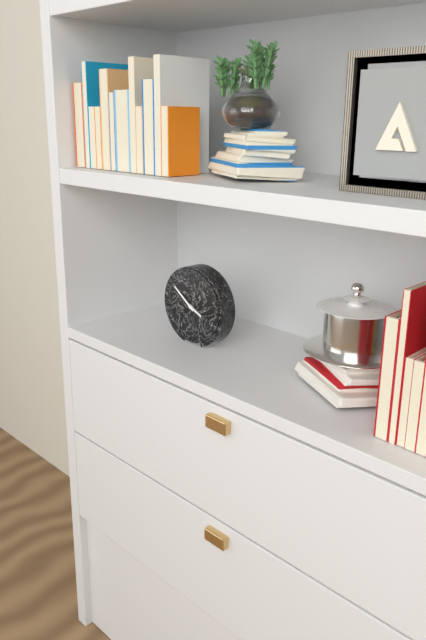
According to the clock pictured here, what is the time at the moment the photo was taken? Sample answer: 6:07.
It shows 3:51
